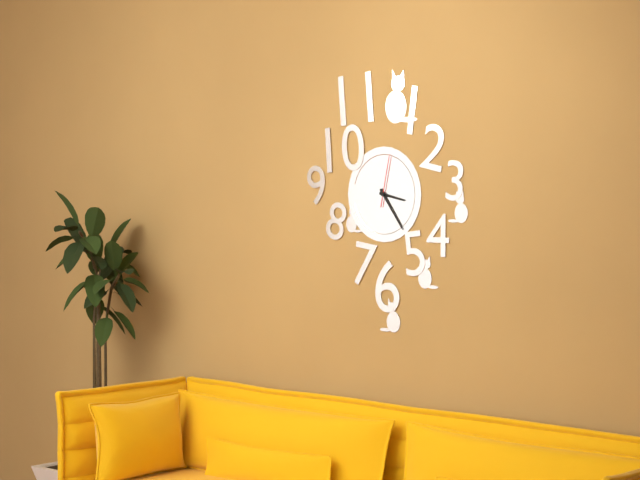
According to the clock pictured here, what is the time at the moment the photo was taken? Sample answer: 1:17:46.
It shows 3:24:02
